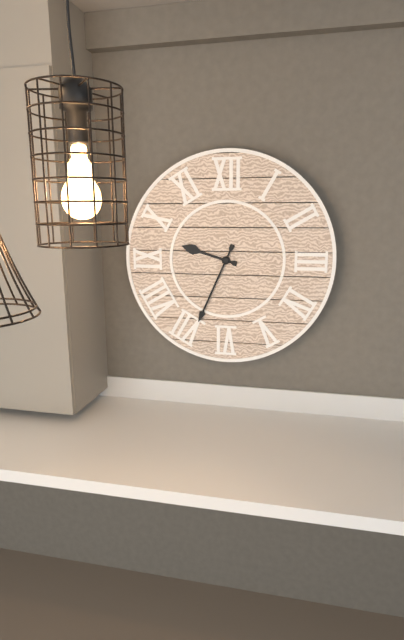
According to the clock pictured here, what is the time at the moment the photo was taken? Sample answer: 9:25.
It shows 9:34
